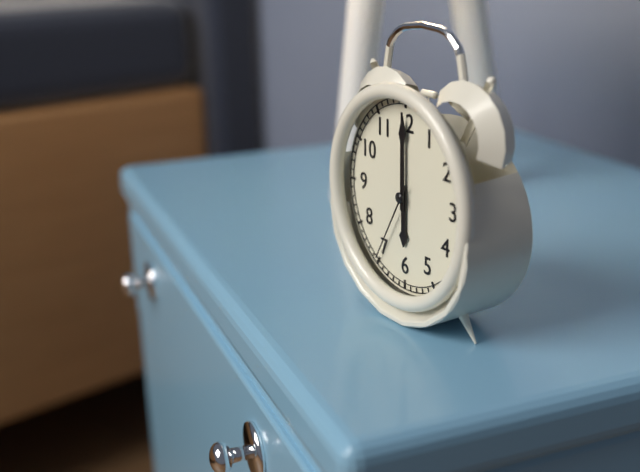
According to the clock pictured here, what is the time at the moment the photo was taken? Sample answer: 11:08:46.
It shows 6:00:35
